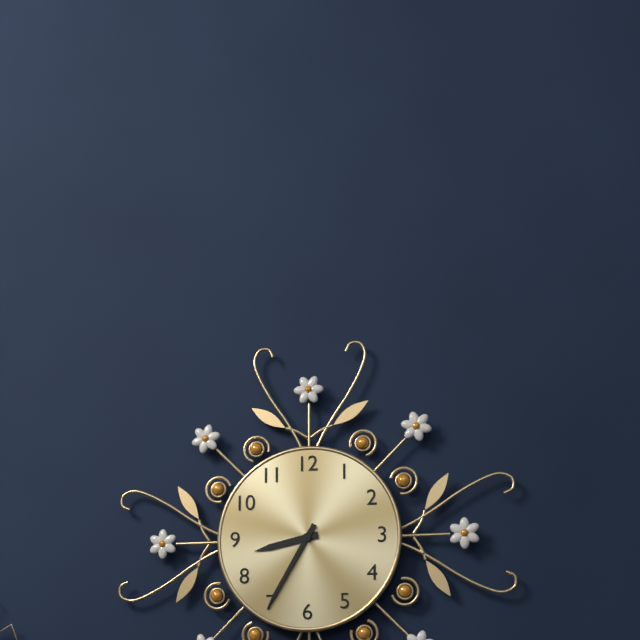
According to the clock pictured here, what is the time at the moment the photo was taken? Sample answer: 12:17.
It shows 8:35
